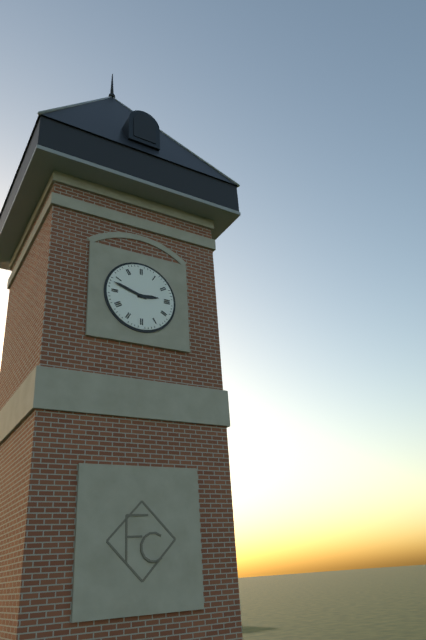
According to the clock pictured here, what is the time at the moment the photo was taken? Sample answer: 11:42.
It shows 2:48
